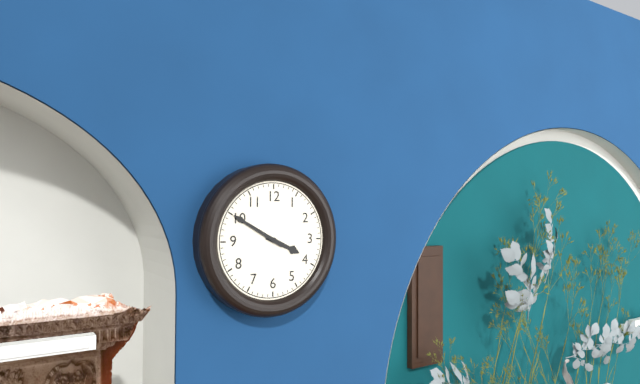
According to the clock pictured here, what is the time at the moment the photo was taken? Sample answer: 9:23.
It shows 3:50
